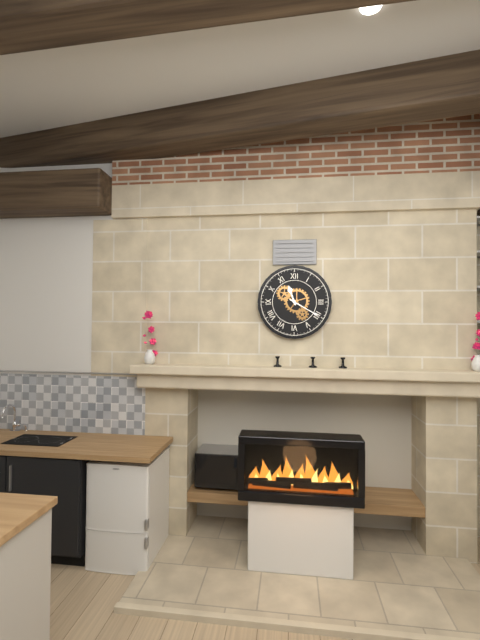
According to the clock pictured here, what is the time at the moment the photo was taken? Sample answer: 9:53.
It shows 11:20
